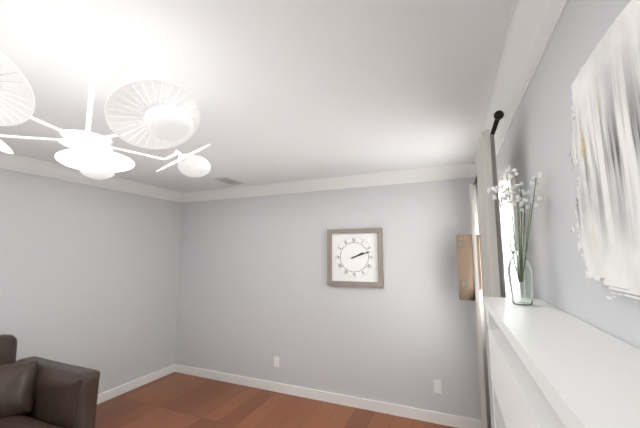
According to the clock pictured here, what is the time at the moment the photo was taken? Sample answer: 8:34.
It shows 2:12
